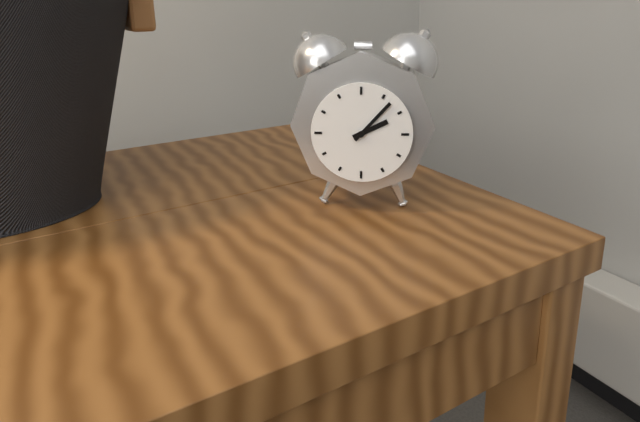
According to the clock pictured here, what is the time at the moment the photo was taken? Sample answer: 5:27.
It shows 2:07
